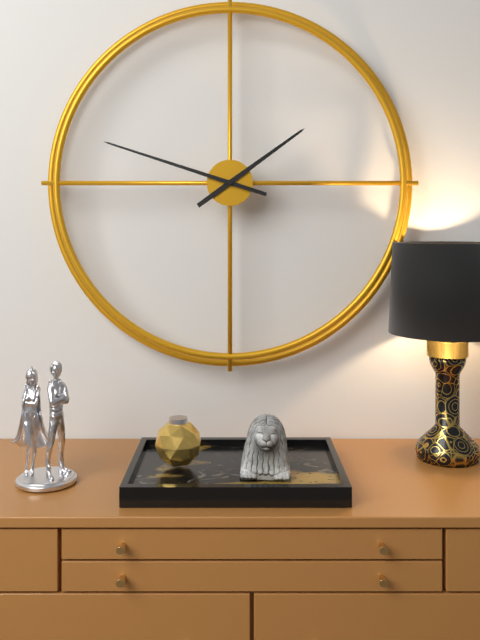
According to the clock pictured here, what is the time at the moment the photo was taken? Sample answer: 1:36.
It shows 1:48
